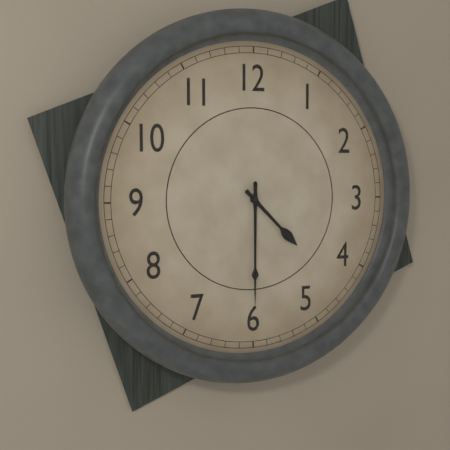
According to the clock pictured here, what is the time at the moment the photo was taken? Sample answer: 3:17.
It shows 4:30
